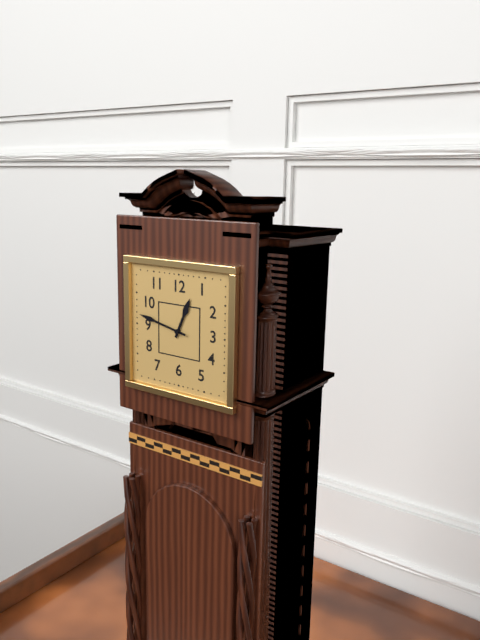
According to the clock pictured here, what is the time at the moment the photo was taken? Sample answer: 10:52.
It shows 12:47
